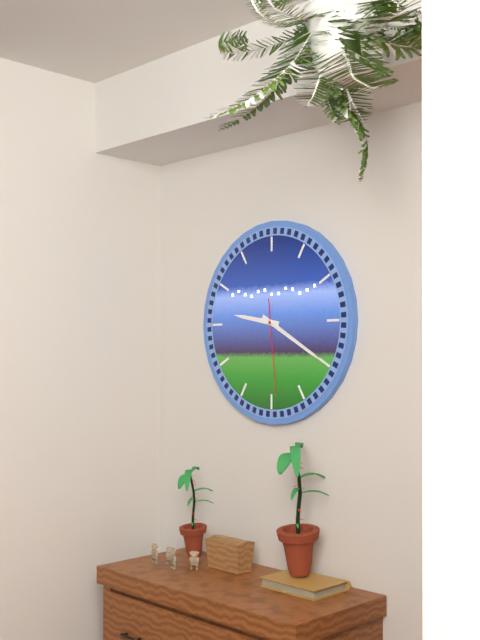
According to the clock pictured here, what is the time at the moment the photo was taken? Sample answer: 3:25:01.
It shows 9:20:29
